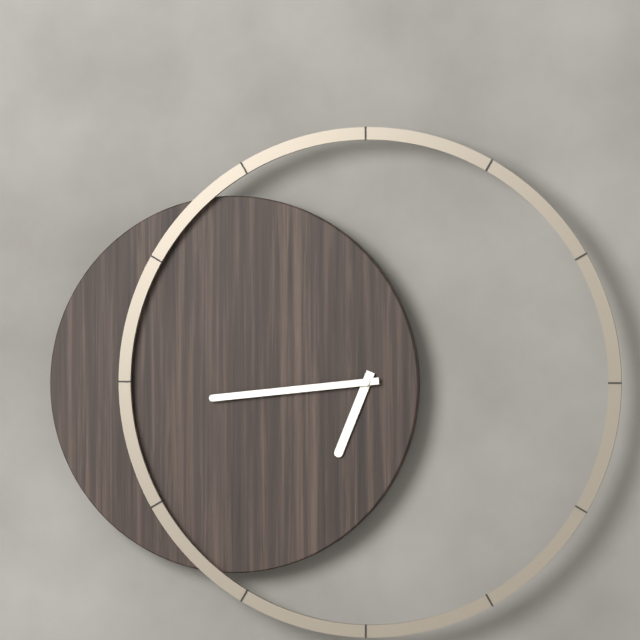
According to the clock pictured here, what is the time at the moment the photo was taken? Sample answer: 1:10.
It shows 6:44
